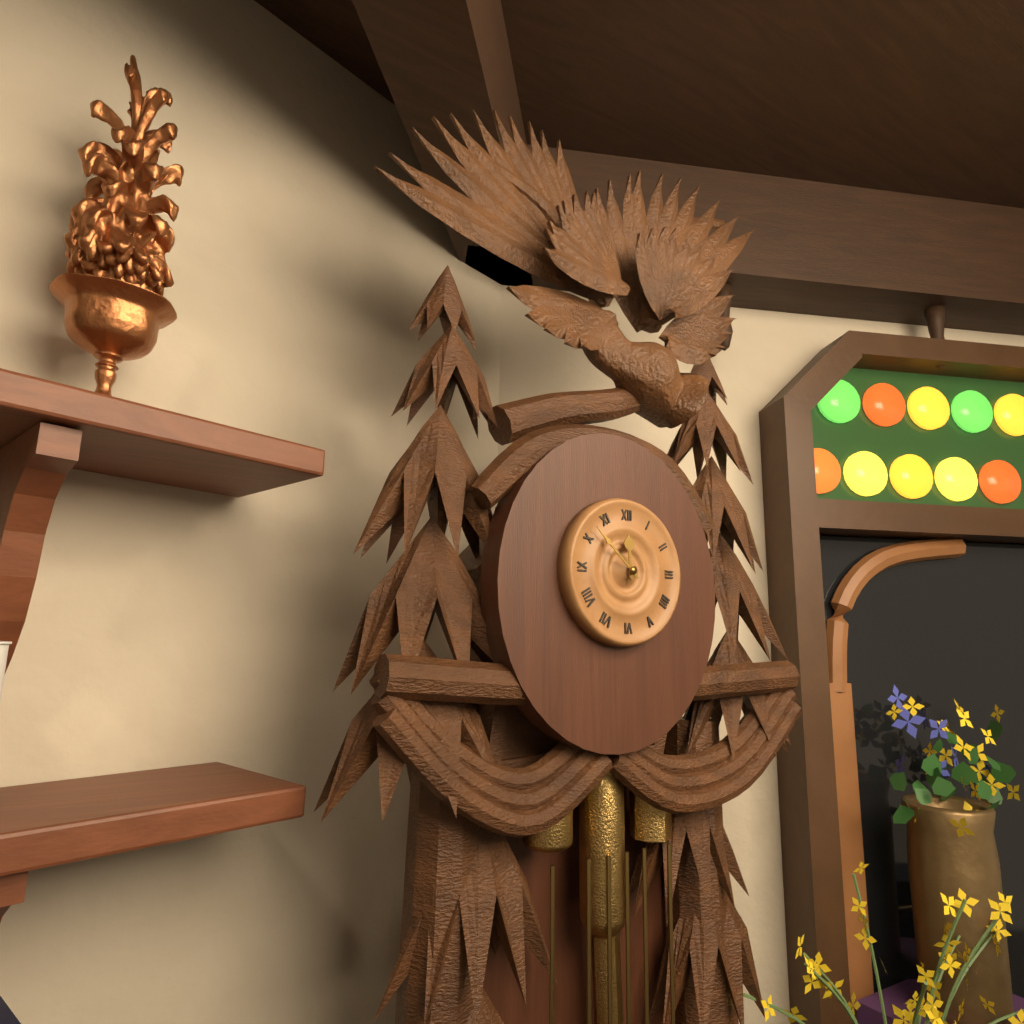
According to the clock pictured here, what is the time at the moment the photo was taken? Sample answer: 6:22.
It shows 11:52
